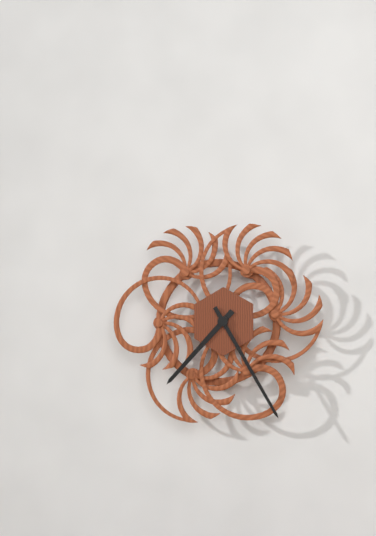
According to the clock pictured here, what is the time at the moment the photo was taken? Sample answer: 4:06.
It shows 7:25
